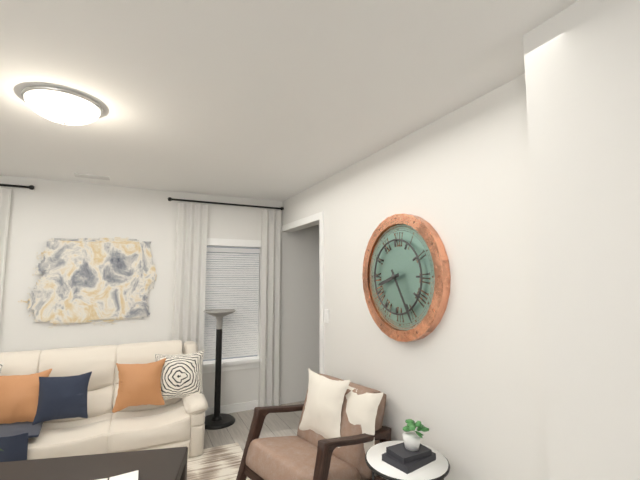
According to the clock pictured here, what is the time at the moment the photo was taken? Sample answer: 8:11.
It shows 8:25
